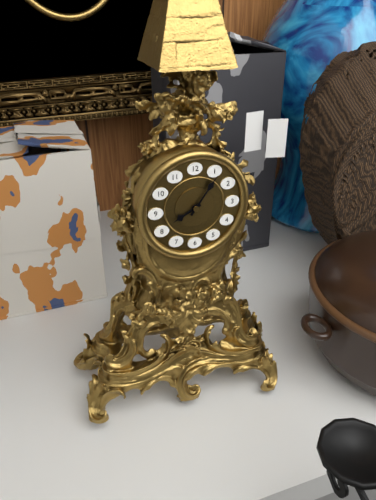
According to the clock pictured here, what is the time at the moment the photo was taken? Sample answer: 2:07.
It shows 8:06
